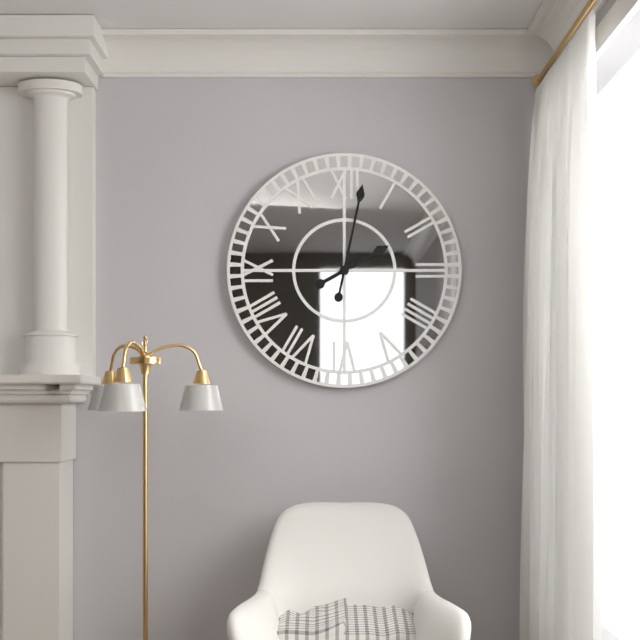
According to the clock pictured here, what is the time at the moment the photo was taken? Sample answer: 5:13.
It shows 2:02
